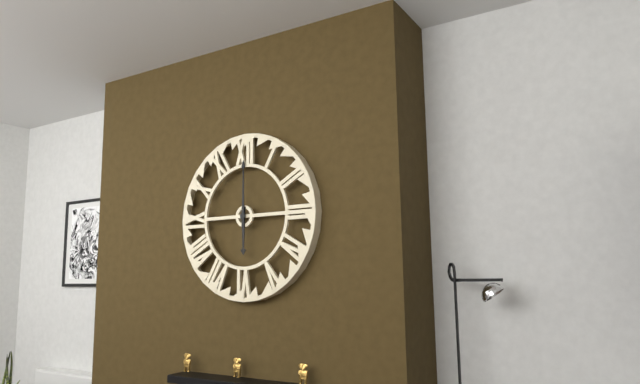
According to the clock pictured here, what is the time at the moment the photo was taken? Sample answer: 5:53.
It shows 6:00
